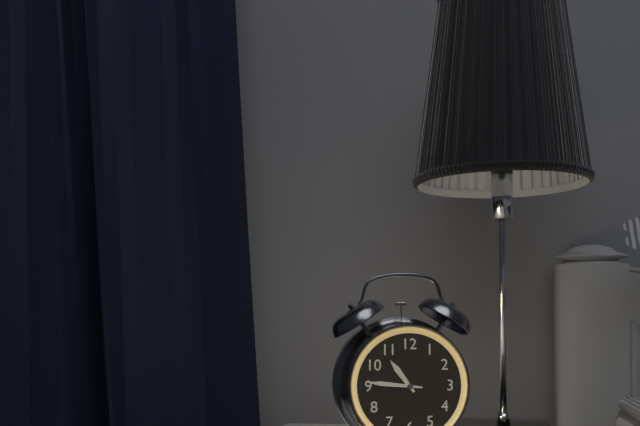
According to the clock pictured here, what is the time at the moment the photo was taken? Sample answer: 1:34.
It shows 10:46
